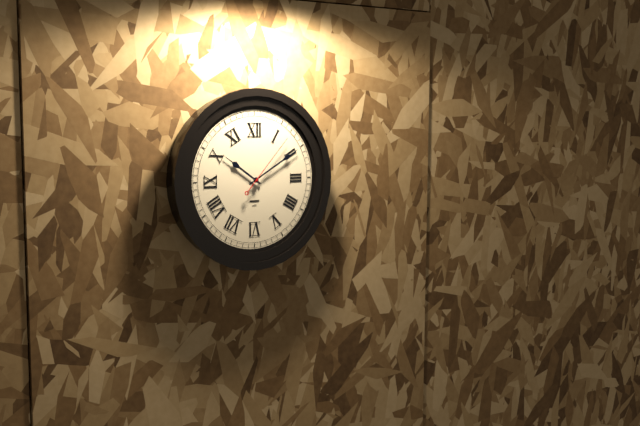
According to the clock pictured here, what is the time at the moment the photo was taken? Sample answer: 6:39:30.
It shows 10:10:07
